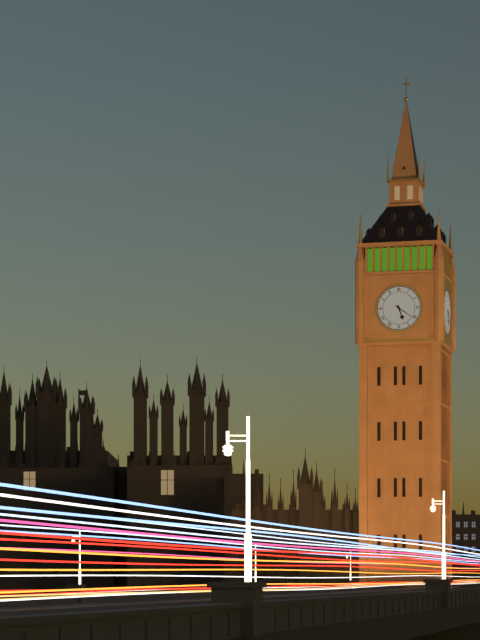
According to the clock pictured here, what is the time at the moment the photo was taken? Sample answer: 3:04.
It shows 5:21
